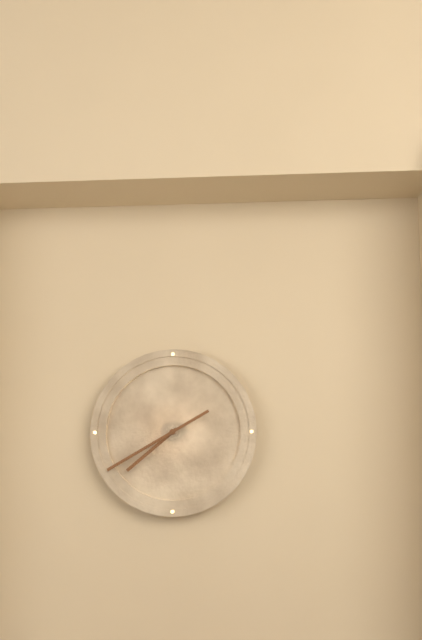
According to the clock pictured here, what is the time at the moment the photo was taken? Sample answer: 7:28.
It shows 7:40
